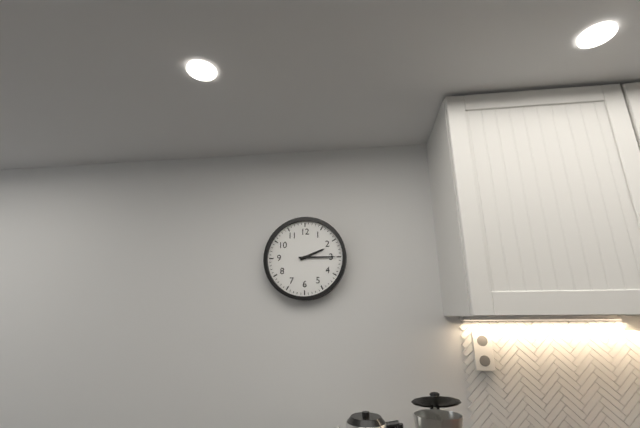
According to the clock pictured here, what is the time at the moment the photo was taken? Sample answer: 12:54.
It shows 2:15
